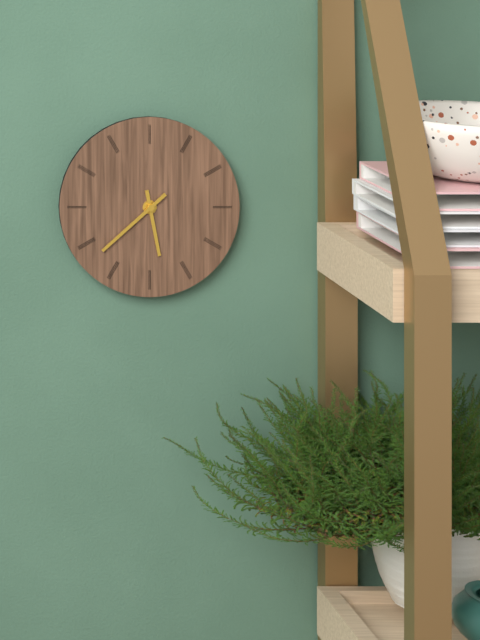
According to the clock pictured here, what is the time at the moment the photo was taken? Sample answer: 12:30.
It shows 5:38
